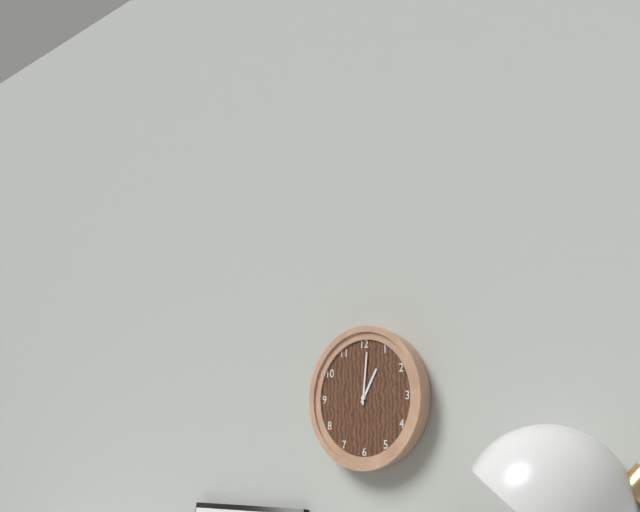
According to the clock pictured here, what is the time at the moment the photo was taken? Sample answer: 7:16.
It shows 1:01
